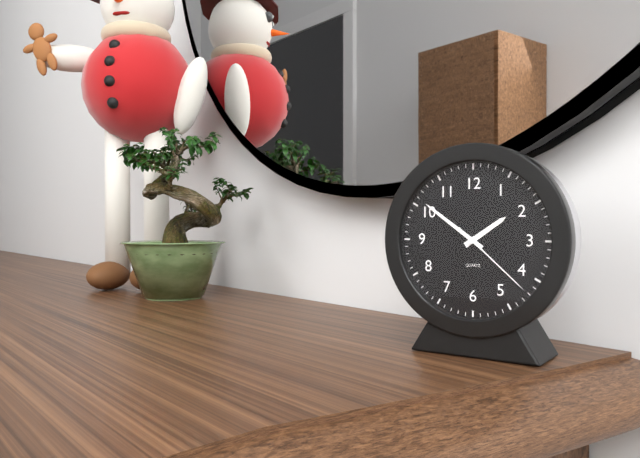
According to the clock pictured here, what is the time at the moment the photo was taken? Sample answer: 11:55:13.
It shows 1:51:22
